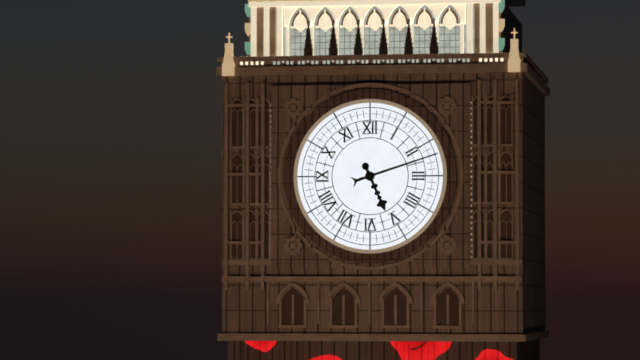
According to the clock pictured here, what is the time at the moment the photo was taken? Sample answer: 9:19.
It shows 5:12
